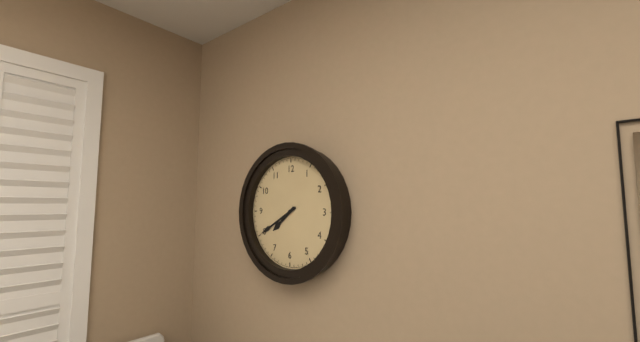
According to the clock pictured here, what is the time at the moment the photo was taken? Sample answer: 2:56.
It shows 7:40
